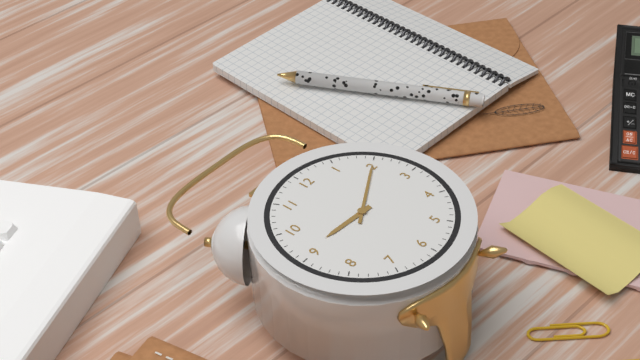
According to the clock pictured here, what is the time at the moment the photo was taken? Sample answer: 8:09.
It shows 9:10
